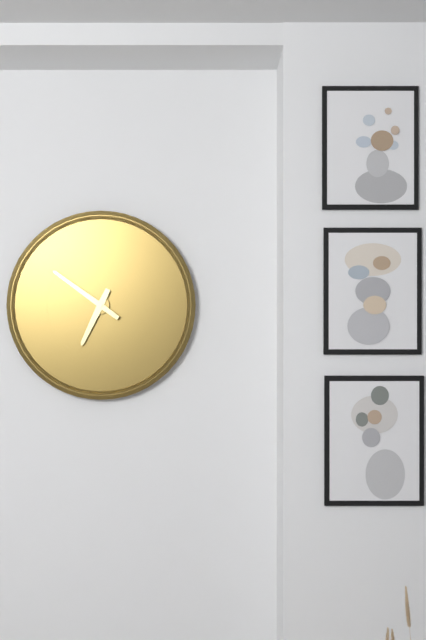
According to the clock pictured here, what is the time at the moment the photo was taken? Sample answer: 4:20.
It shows 6:51
